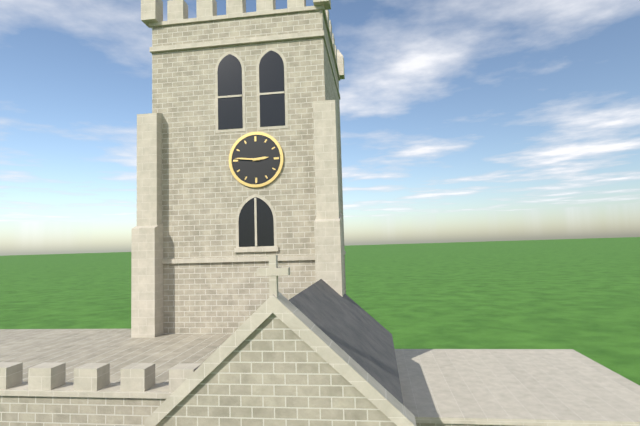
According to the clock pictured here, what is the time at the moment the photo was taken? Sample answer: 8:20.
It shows 2:46
